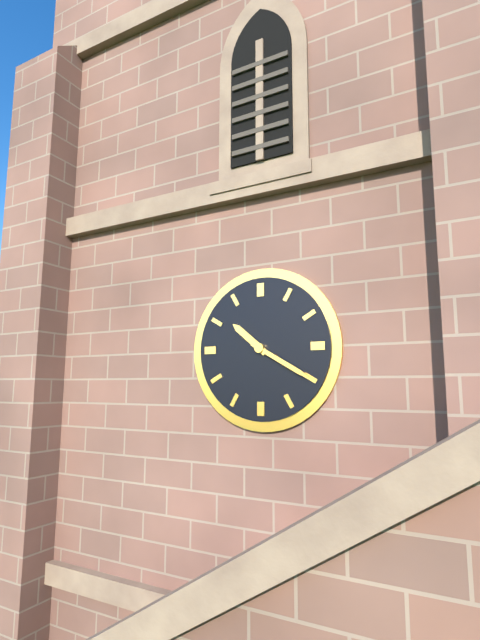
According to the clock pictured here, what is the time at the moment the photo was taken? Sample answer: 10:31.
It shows 10:20
